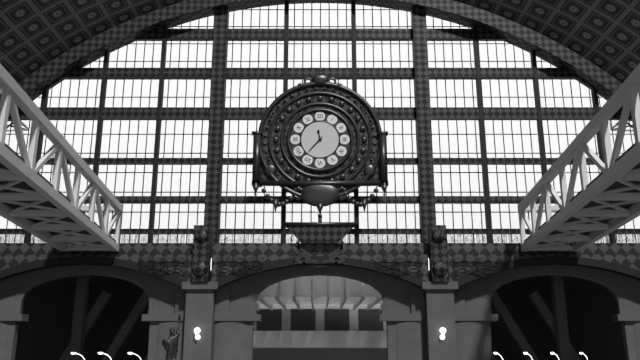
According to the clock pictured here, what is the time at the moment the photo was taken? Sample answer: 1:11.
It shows 11:37
